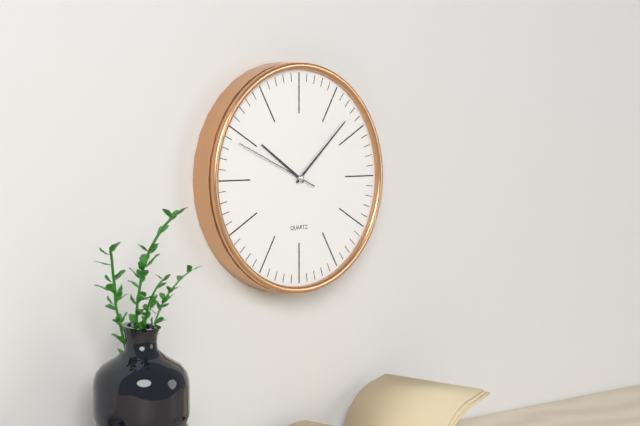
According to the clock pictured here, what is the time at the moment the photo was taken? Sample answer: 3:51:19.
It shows 10:08:49
